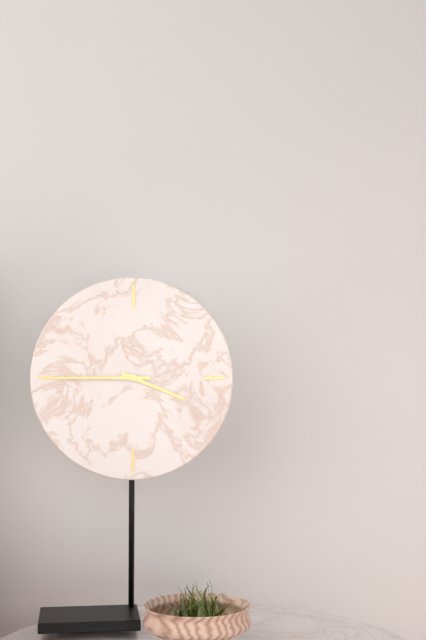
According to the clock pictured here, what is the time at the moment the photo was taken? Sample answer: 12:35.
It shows 3:45
